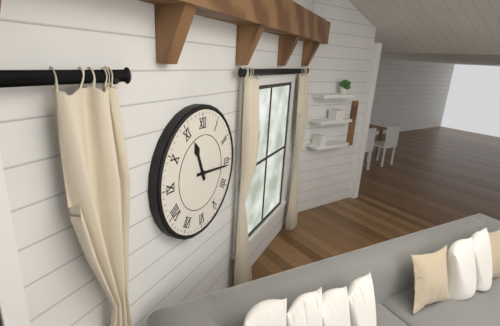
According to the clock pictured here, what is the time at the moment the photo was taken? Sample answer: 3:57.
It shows 11:16
